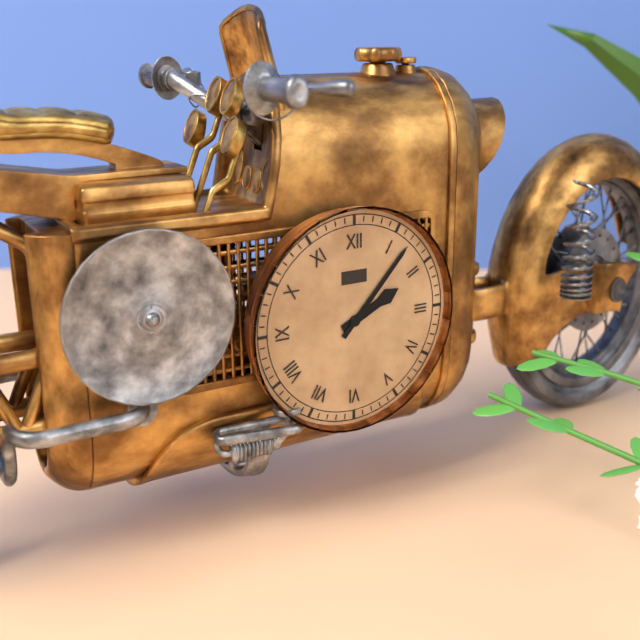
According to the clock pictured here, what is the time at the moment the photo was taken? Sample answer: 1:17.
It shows 2:07
